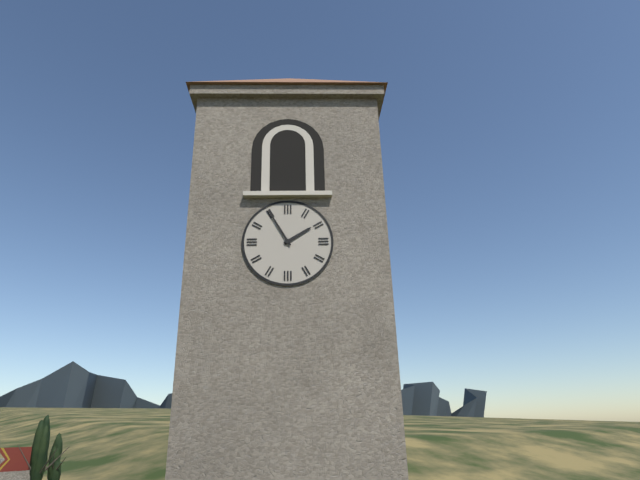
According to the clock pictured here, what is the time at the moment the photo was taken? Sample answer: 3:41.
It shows 1:55
